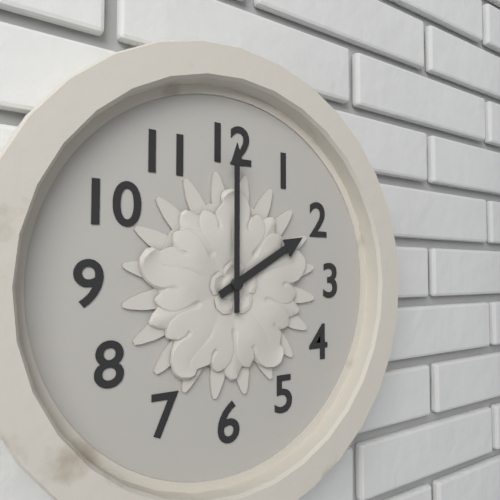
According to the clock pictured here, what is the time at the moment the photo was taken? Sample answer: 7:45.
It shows 2:00
